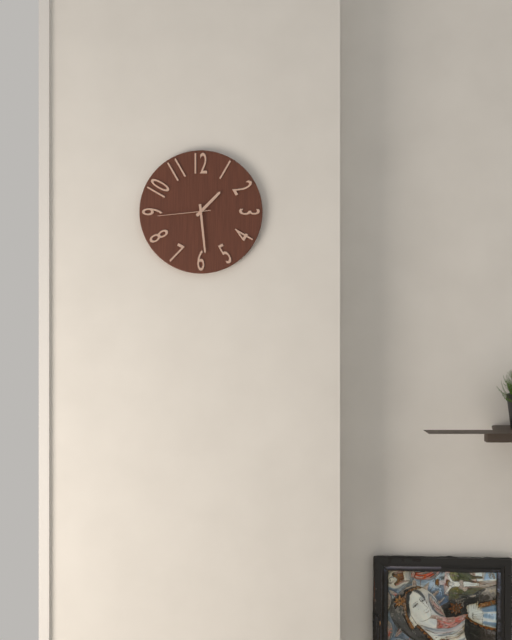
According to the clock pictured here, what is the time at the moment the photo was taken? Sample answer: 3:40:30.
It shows 1:29:44
